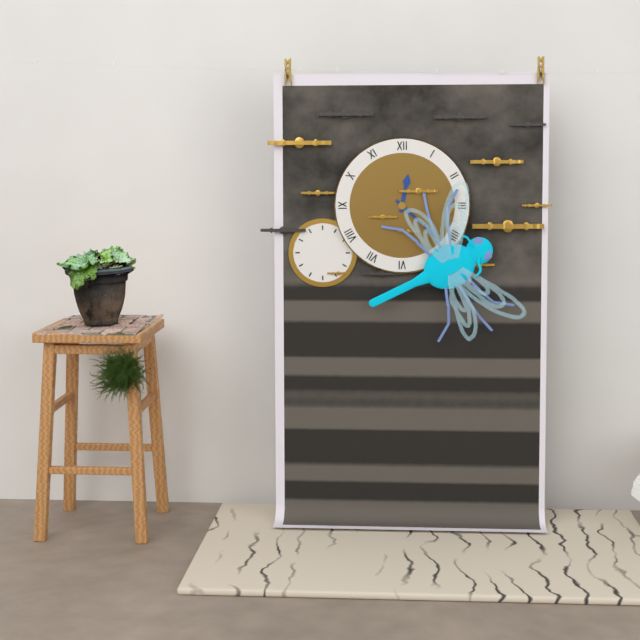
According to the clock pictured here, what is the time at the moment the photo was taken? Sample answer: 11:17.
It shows 12:22
